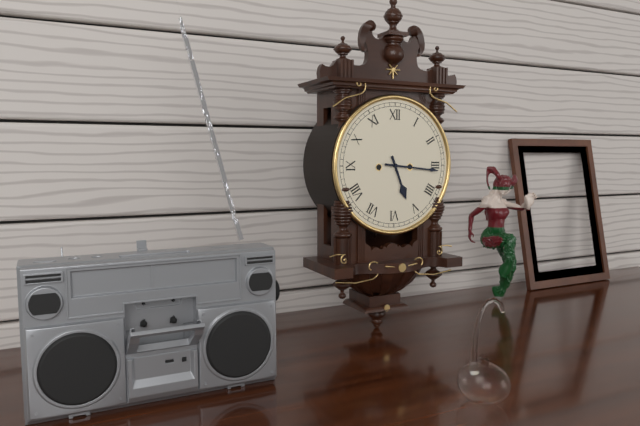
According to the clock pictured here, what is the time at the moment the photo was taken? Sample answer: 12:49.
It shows 5:16
